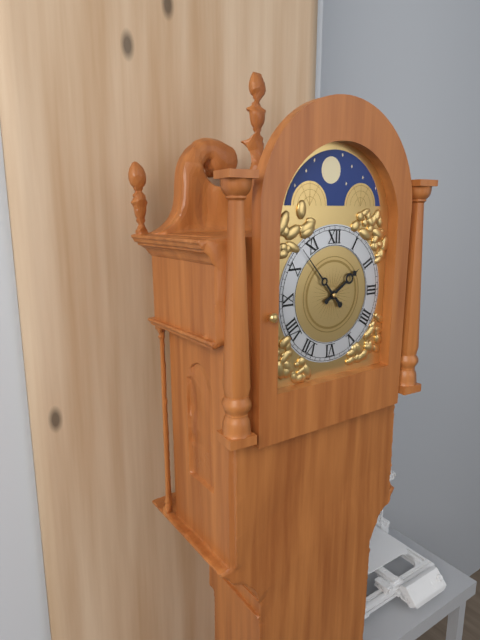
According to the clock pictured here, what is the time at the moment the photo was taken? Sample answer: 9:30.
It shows 1:53
